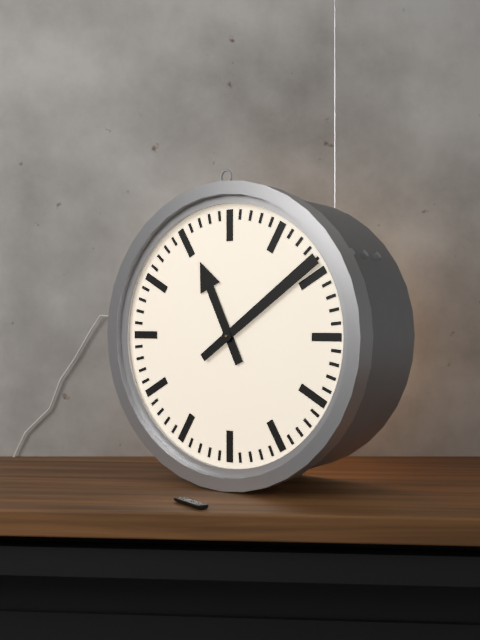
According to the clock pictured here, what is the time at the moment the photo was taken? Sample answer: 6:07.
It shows 11:09
